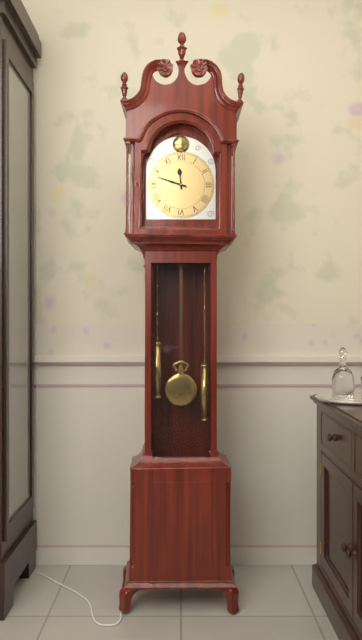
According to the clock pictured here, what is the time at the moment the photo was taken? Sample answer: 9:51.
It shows 11:48
